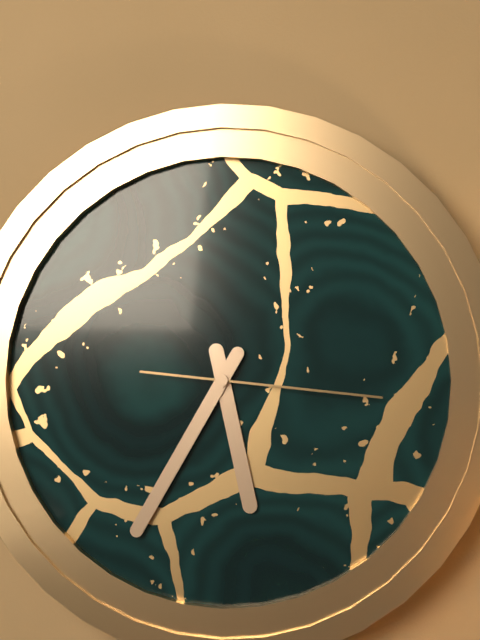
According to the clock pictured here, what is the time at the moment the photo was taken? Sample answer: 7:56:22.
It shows 5:35:16
